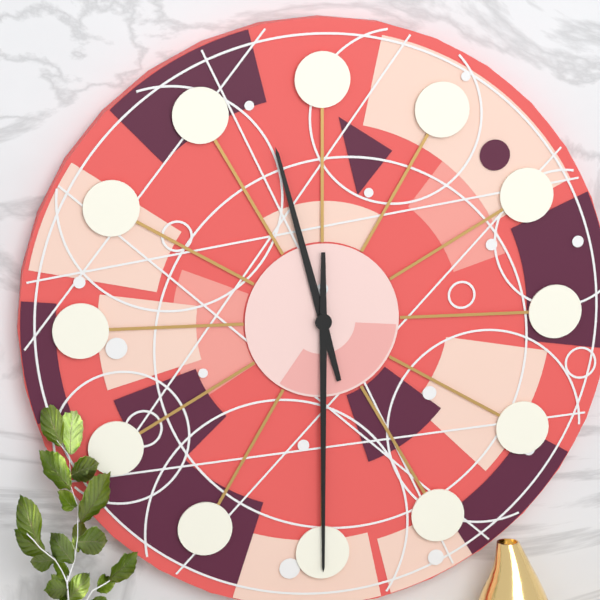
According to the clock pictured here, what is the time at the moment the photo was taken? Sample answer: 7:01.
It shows 11:30
